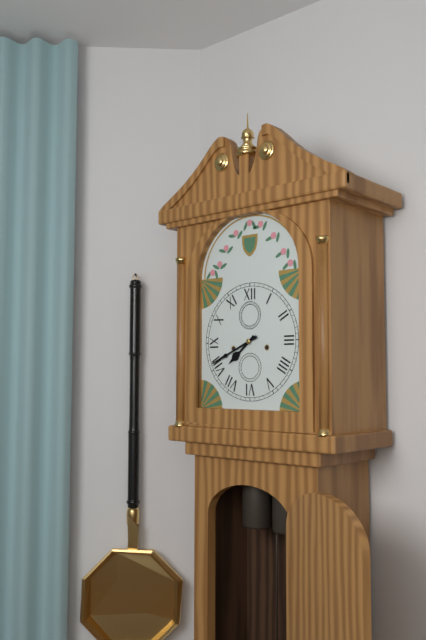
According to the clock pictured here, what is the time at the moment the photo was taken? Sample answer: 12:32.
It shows 7:41
